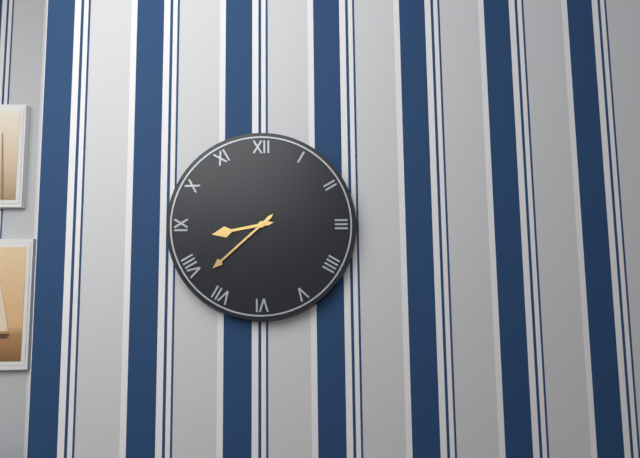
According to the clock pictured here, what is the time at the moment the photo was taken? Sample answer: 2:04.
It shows 8:38
